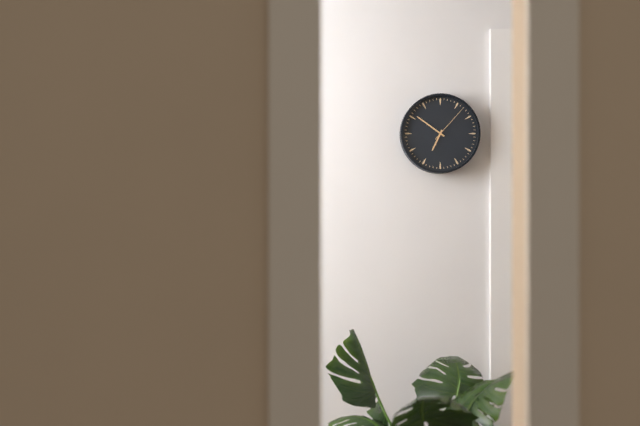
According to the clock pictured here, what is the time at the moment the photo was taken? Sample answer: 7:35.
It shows 6:51
